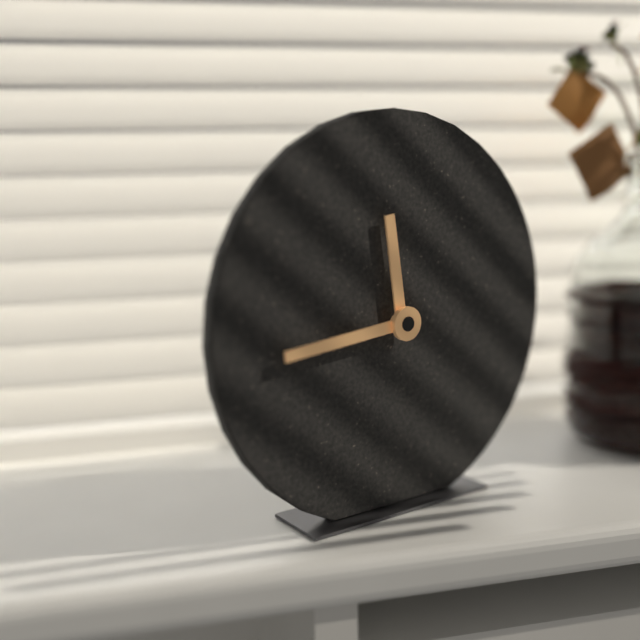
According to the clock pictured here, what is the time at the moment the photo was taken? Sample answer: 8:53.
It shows 11:44
